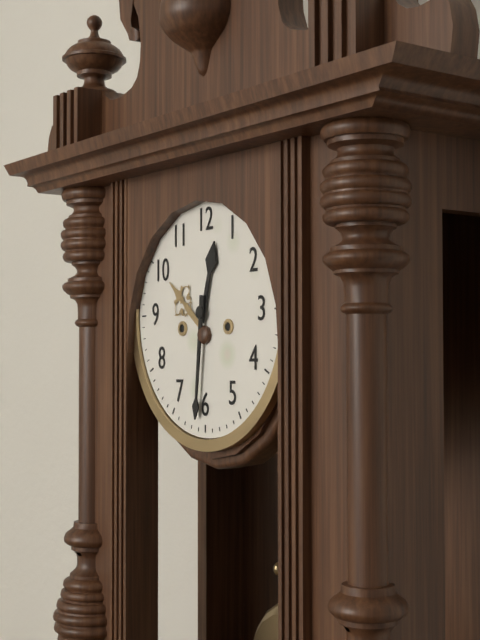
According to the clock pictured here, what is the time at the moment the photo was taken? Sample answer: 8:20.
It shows 12:31
